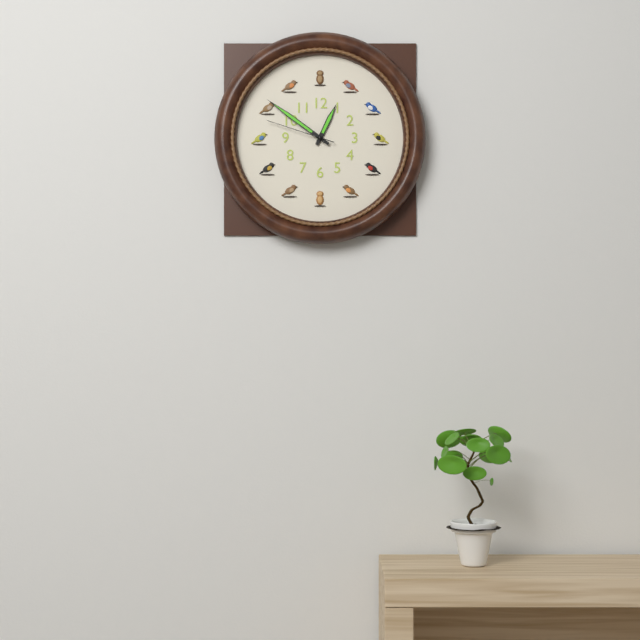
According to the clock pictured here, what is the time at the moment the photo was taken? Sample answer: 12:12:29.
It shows 12:51:48
